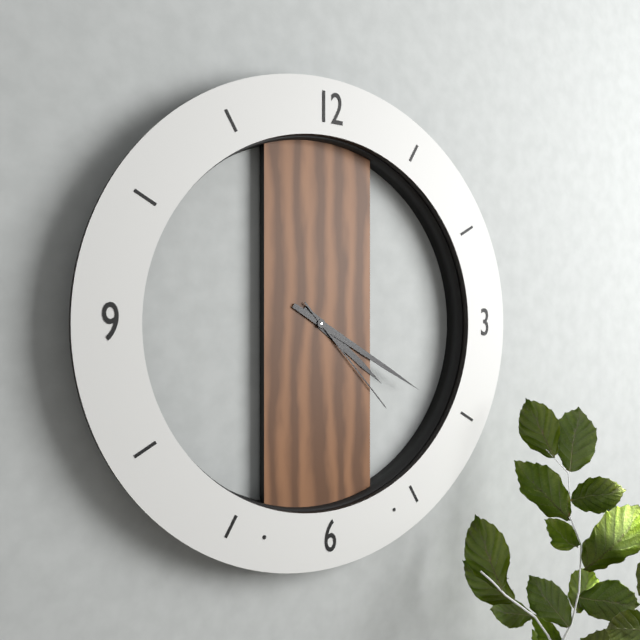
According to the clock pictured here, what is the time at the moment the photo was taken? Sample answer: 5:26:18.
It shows 4:20:23
